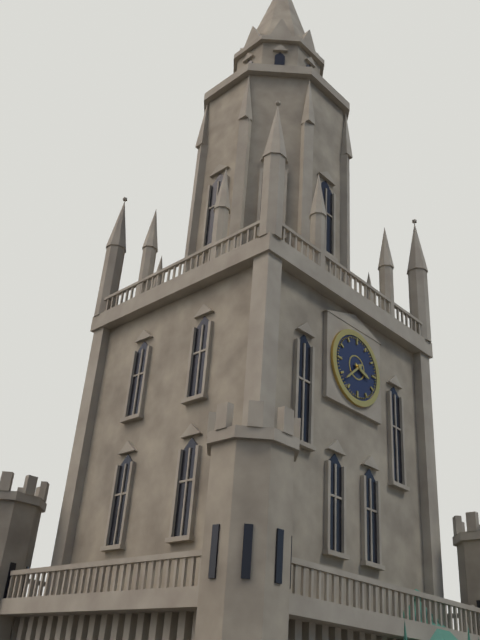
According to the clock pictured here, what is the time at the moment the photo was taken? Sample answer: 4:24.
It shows 3:38
